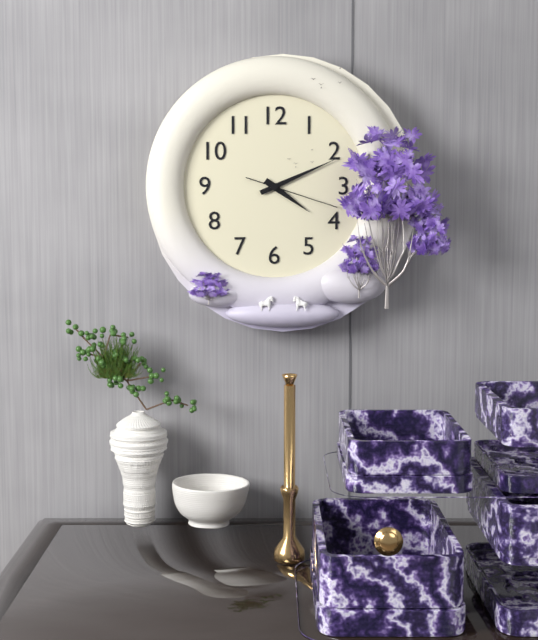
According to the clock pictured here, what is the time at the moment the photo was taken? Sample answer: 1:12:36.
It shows 4:11:18
